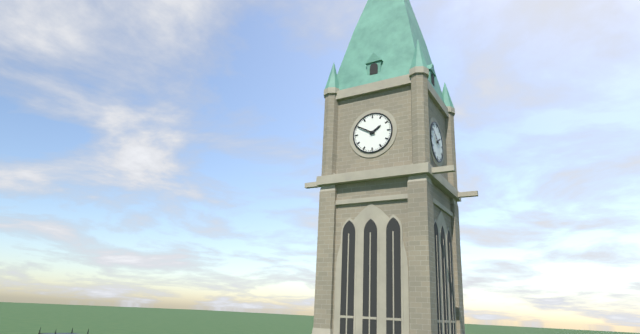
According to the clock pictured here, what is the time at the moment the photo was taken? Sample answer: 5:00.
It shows 1:50
